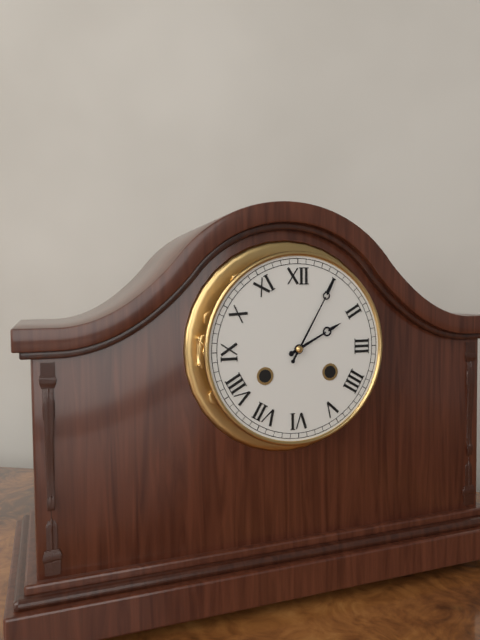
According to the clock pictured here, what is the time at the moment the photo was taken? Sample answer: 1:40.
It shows 2:05
